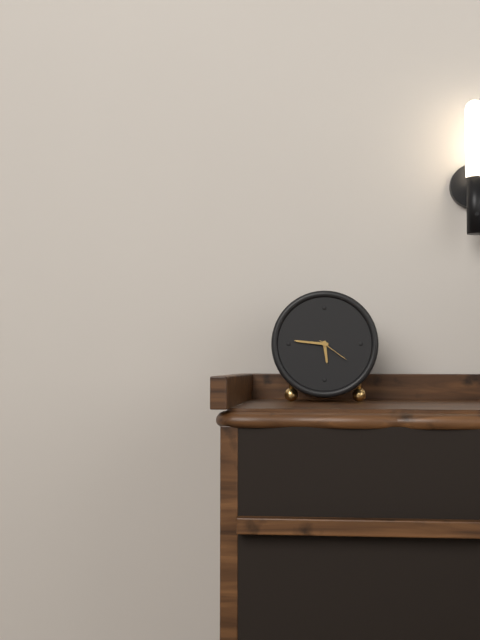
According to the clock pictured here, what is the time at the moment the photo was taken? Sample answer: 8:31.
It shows 5:46
